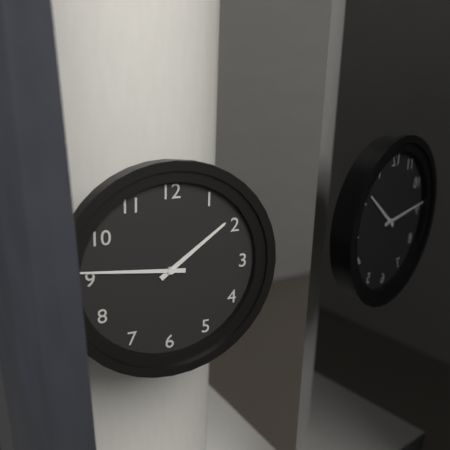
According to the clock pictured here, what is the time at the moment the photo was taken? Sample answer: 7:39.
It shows 1:46
